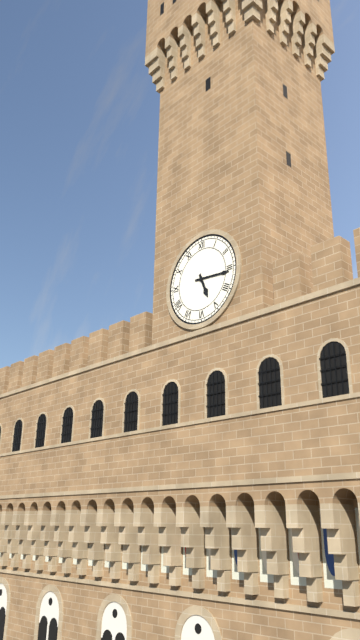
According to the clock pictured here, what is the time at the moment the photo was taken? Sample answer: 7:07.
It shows 5:16
